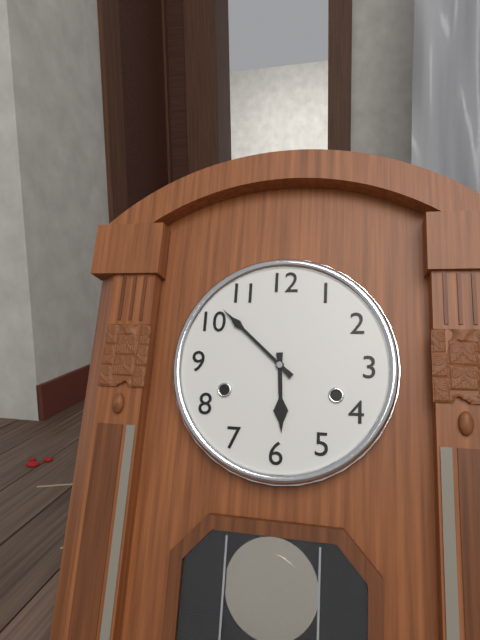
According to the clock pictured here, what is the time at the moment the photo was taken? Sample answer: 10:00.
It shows 5:52
